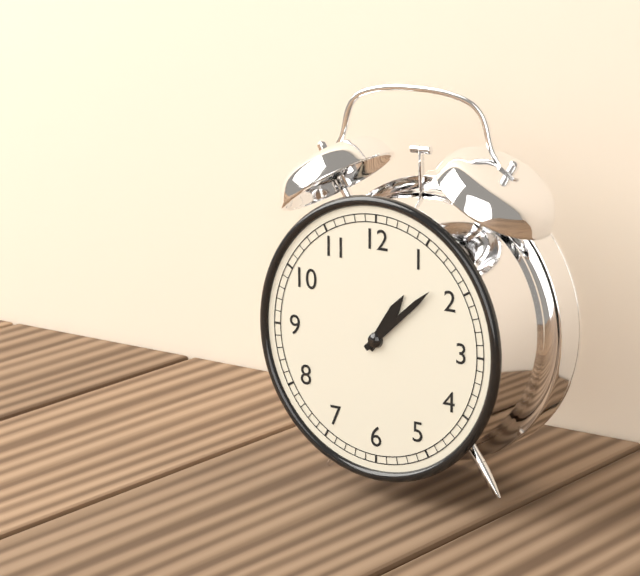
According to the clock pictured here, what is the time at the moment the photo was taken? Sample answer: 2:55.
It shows 1:08
